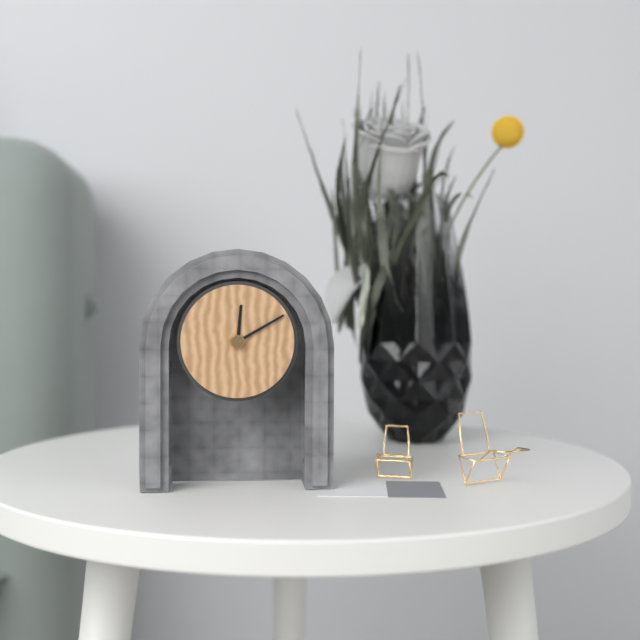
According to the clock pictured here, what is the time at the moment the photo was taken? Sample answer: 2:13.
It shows 12:10
